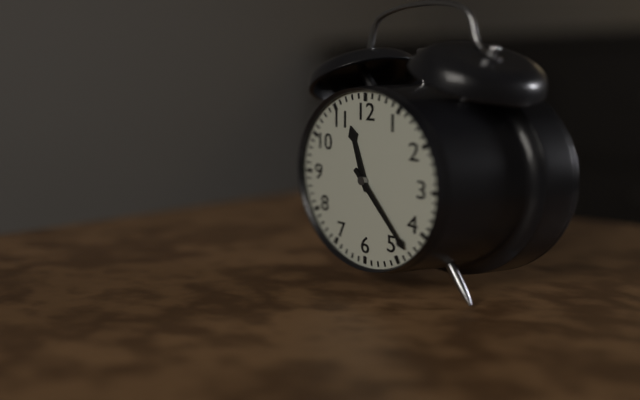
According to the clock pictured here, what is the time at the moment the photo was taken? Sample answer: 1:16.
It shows 11:23
